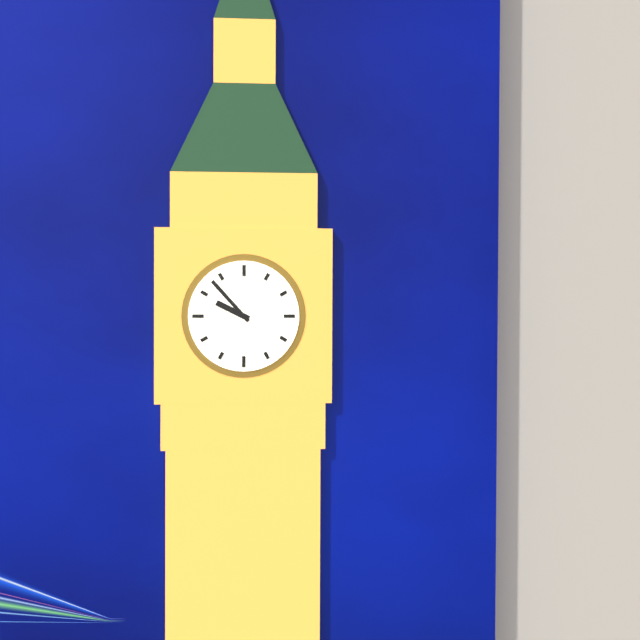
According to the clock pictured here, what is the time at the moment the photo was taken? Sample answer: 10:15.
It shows 9:53
